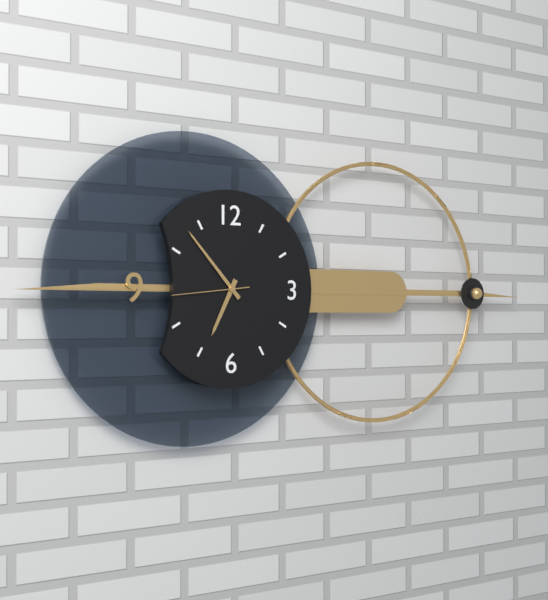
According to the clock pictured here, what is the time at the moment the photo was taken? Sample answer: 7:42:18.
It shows 6:53:44
